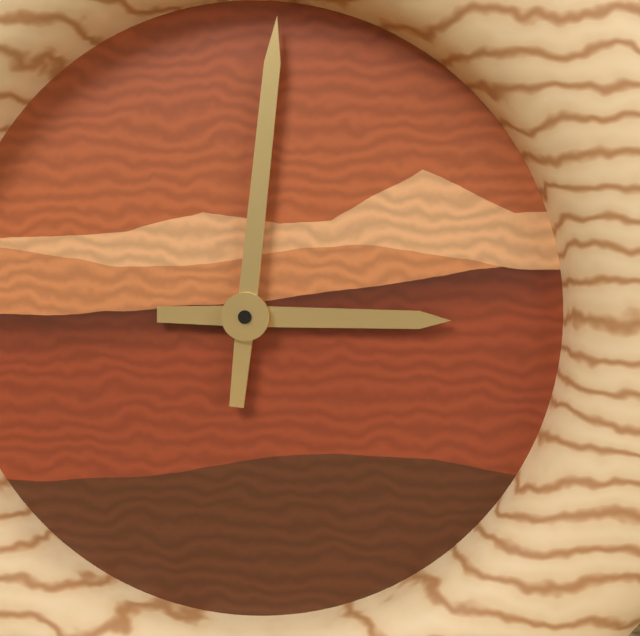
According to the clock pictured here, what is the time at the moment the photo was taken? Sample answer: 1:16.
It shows 3:01
